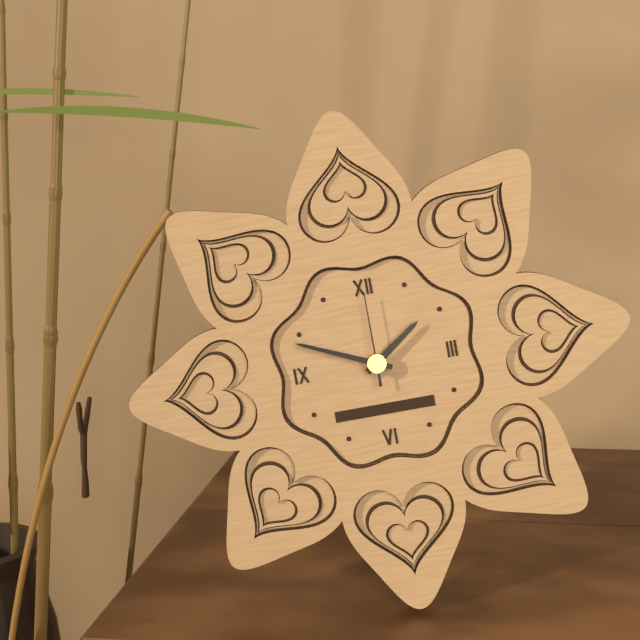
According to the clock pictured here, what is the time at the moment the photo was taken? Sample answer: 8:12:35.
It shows 1:49:00
